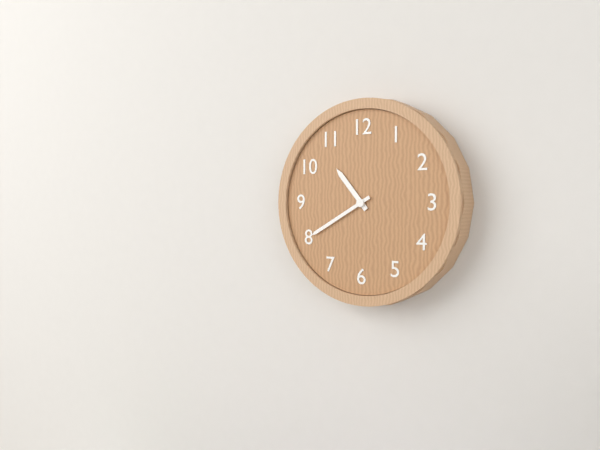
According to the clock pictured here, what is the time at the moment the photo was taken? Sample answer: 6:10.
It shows 10:40
